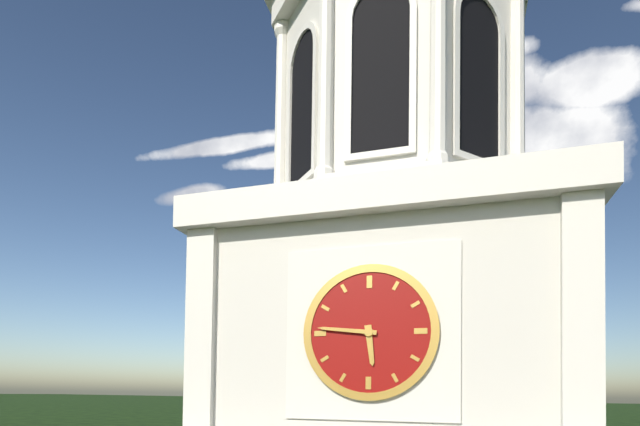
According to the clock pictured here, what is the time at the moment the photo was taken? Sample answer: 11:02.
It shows 5:46
